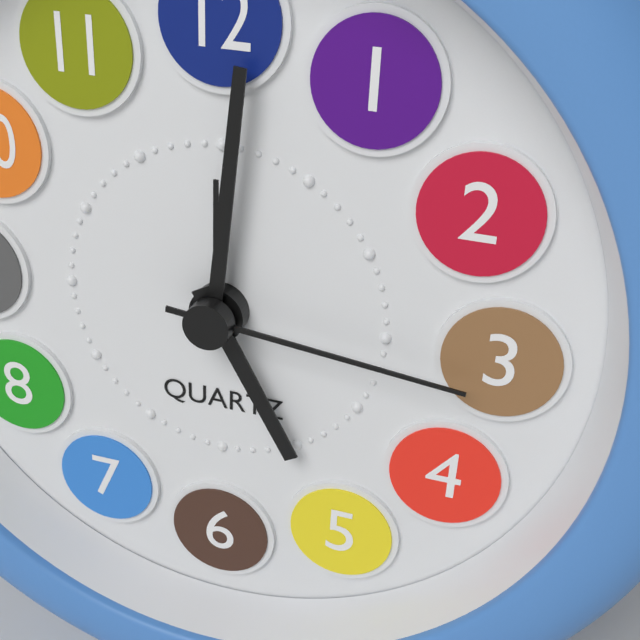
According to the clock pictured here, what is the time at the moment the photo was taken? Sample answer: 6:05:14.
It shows 5:01:16
